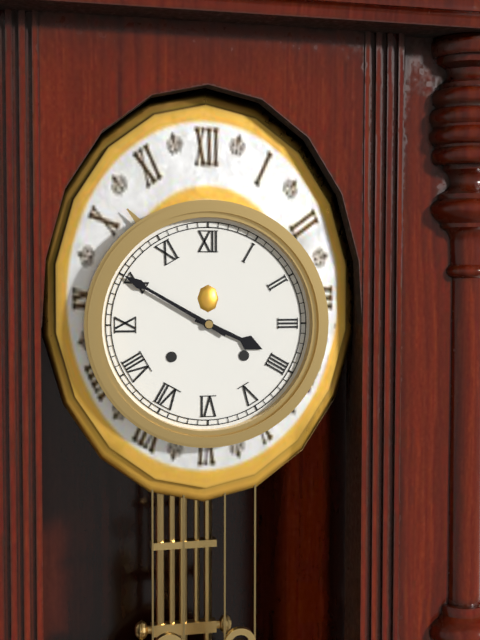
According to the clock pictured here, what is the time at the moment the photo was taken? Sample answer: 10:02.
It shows 3:50
